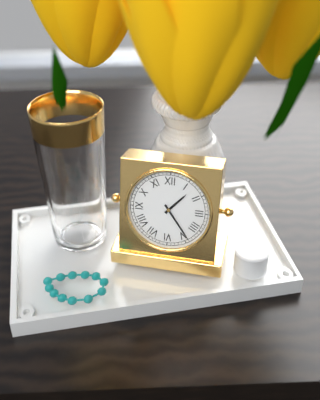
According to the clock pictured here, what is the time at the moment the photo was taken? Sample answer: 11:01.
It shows 1:24
